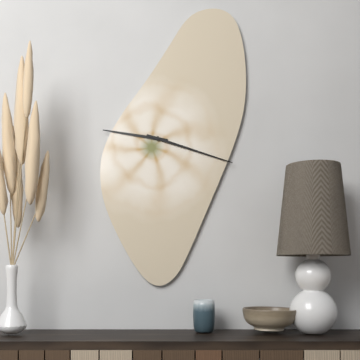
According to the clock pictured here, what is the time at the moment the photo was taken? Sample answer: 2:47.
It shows 9:18
